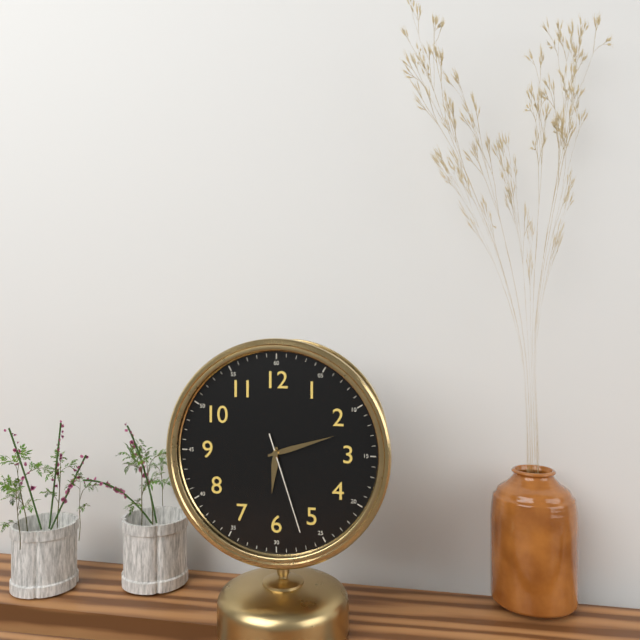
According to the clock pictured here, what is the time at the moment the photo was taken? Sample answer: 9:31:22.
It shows 6:12:27
